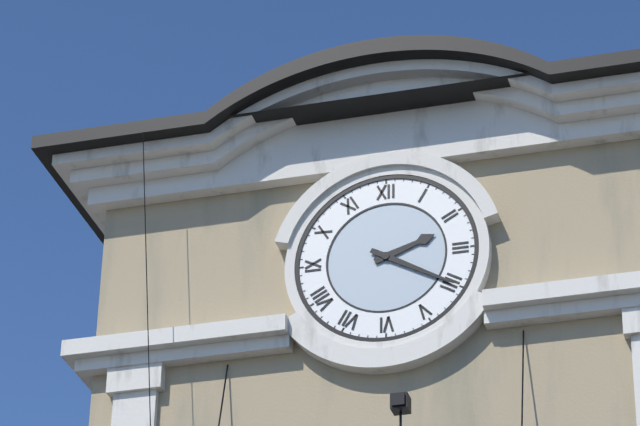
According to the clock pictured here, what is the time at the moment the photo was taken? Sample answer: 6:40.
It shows 2:20
